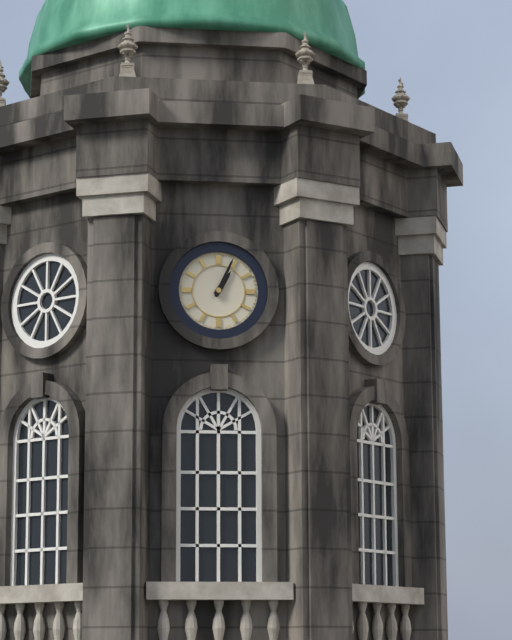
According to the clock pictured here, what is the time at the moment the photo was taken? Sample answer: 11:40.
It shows 1:04
